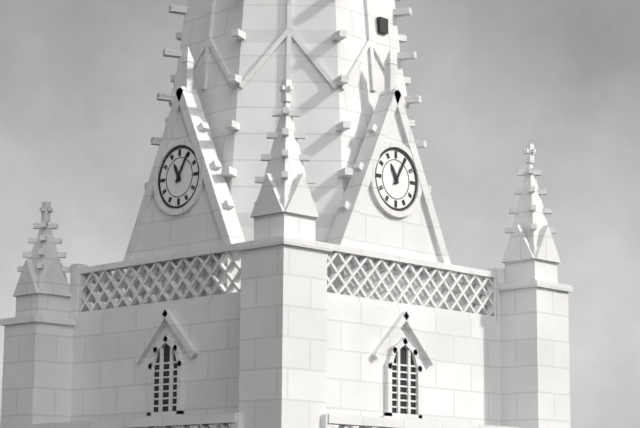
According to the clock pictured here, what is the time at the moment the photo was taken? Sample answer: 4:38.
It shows 11:05
